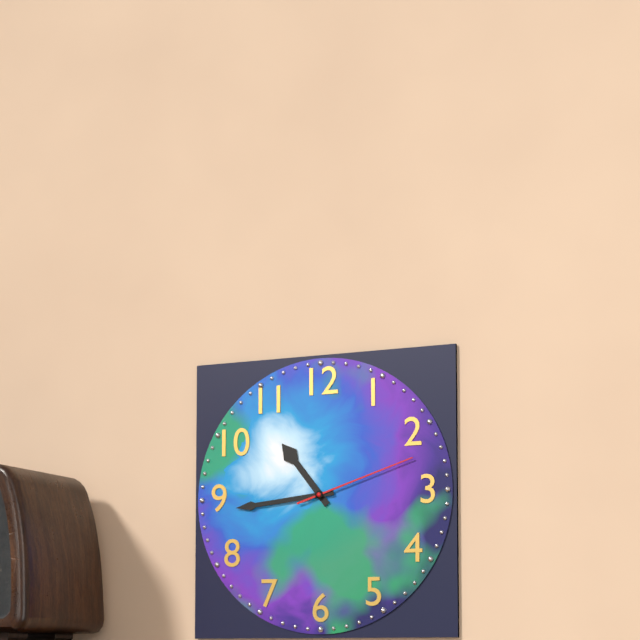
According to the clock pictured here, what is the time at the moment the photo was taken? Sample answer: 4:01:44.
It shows 10:44:12
